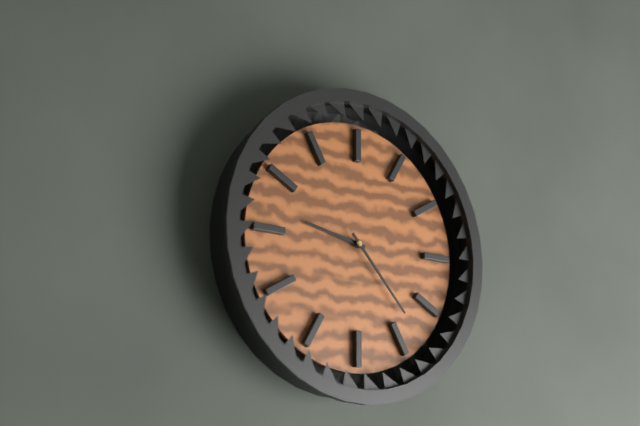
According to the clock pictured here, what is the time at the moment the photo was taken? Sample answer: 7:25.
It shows 9:23
